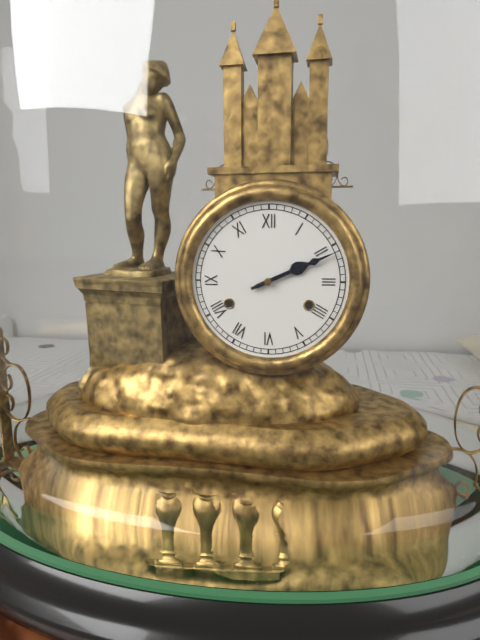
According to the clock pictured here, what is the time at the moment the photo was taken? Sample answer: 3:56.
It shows 2:11
